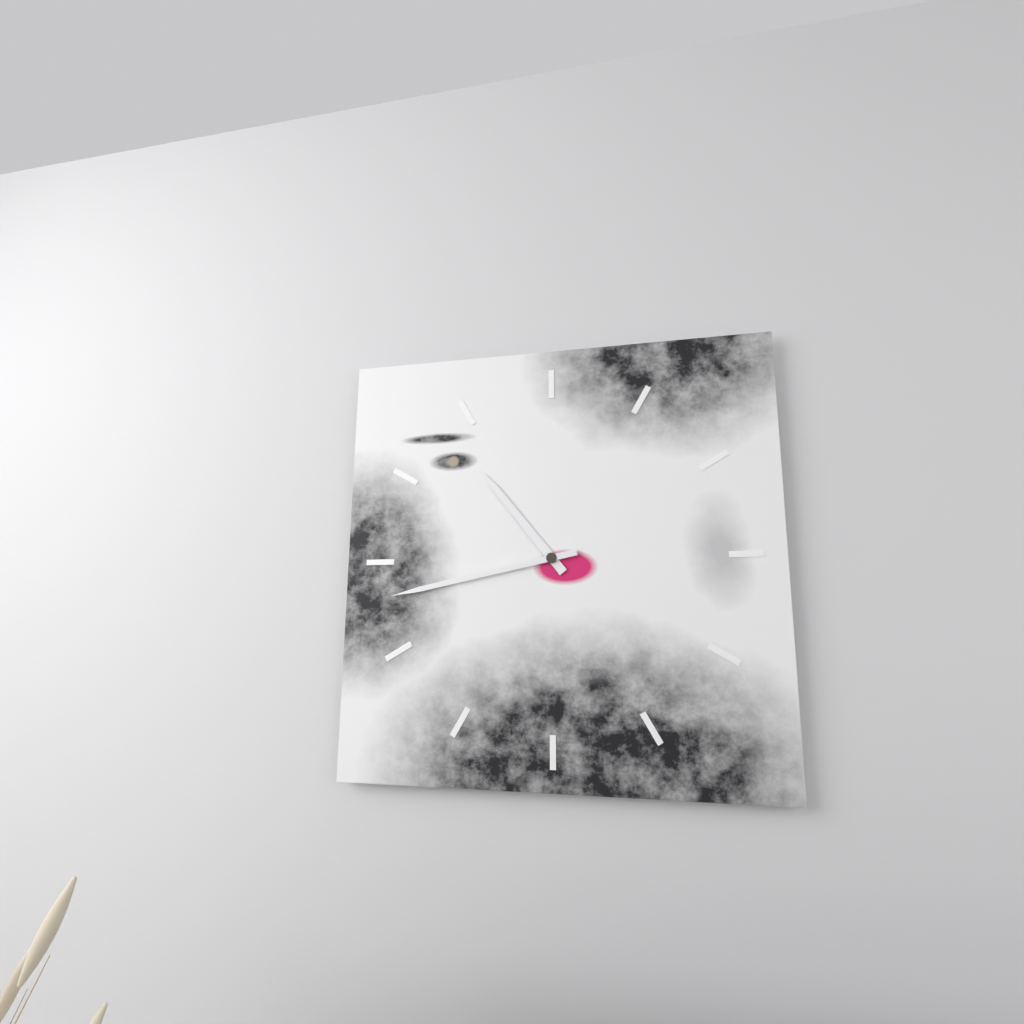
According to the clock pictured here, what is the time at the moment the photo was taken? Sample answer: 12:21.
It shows 10:43
